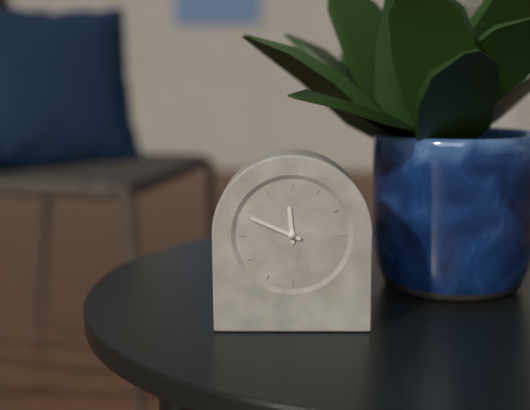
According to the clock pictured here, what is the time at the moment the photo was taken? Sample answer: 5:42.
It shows 11:49
